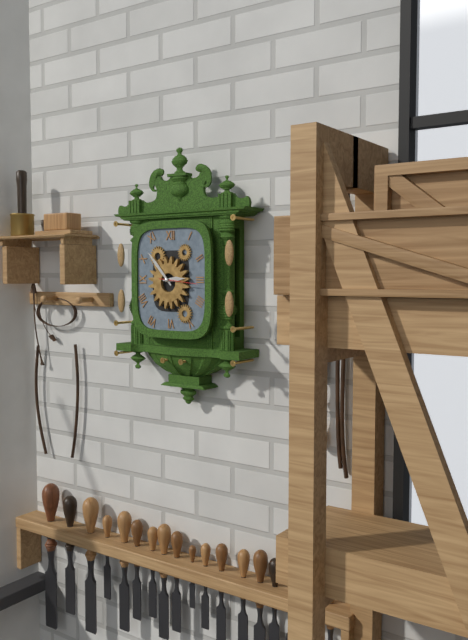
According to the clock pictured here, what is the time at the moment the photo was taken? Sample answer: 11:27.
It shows 2:53
